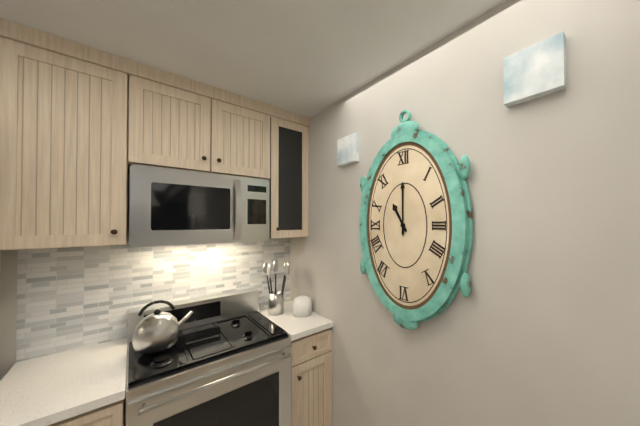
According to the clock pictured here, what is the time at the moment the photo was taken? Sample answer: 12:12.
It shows 11:00
